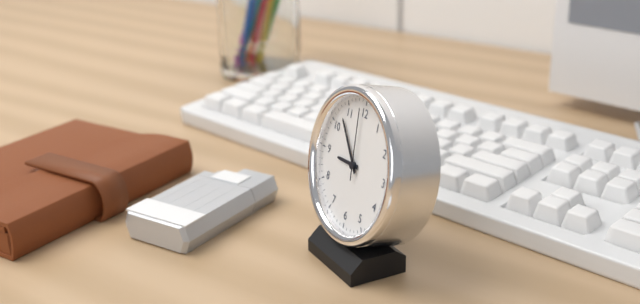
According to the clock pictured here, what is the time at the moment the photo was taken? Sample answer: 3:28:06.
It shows 8:53:59
